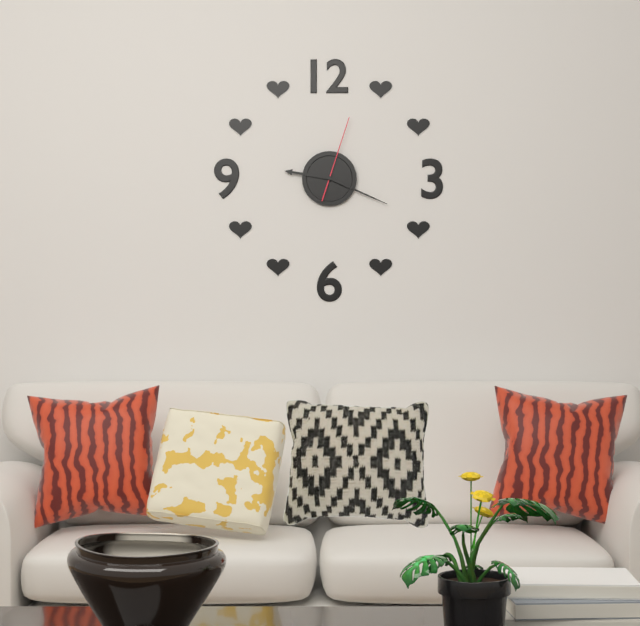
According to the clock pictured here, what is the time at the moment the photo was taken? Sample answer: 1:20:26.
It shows 9:19:03
